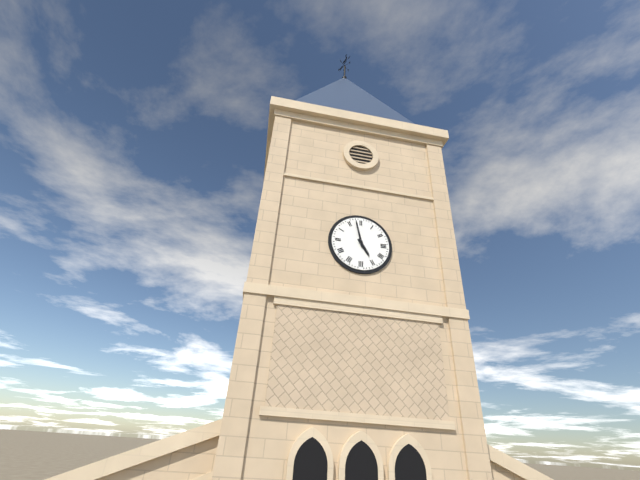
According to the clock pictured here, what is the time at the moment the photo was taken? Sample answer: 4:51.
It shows 4:58
